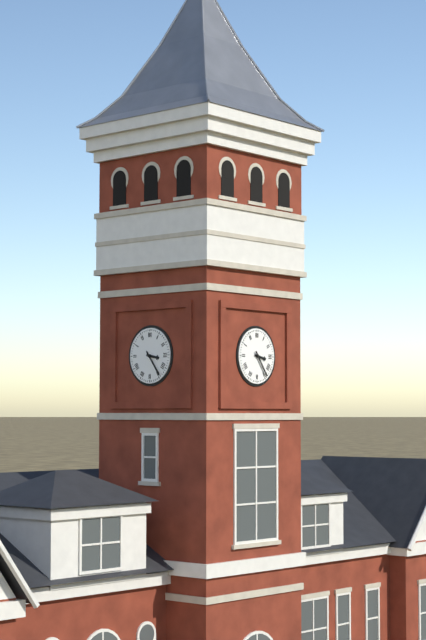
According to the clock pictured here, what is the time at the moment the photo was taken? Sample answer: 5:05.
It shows 3:24
